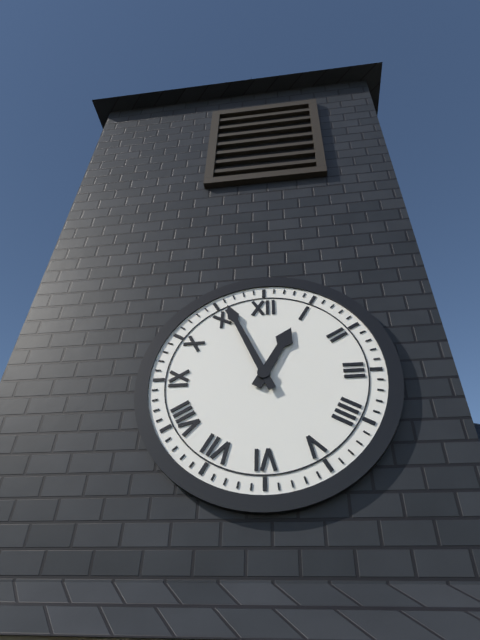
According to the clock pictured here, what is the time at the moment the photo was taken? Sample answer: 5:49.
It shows 12:56
